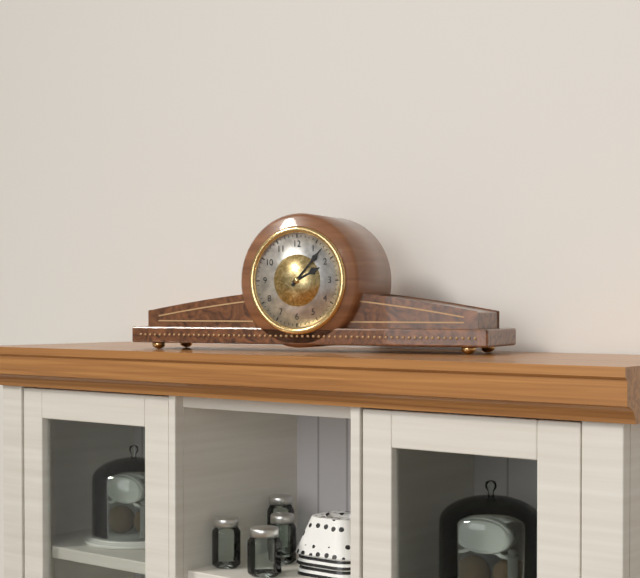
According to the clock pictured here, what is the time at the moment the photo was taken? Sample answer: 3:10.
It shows 2:07
